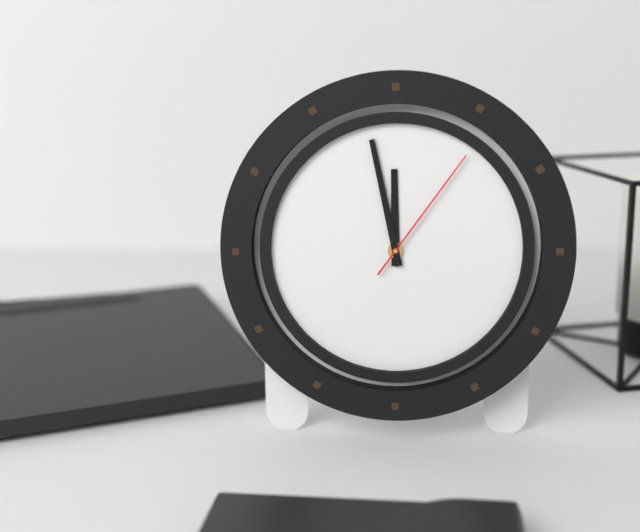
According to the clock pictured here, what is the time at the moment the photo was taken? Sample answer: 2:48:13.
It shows 11:58:06
